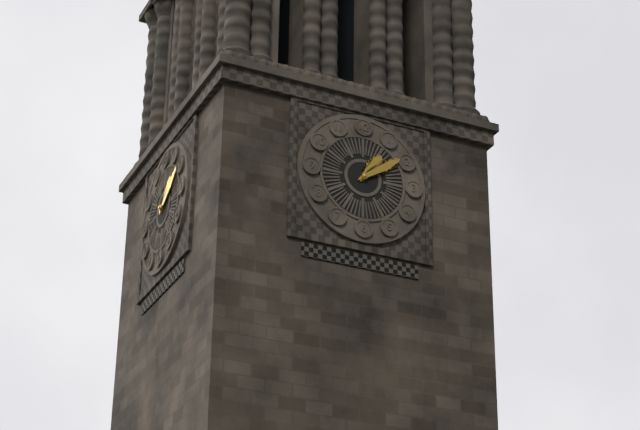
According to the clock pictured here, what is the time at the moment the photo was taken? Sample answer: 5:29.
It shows 1:09
